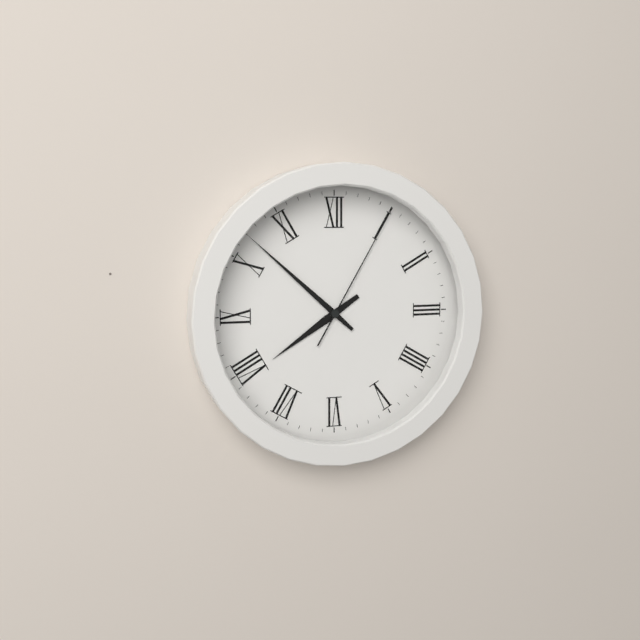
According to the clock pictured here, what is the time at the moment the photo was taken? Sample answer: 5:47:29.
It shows 7:52:05
